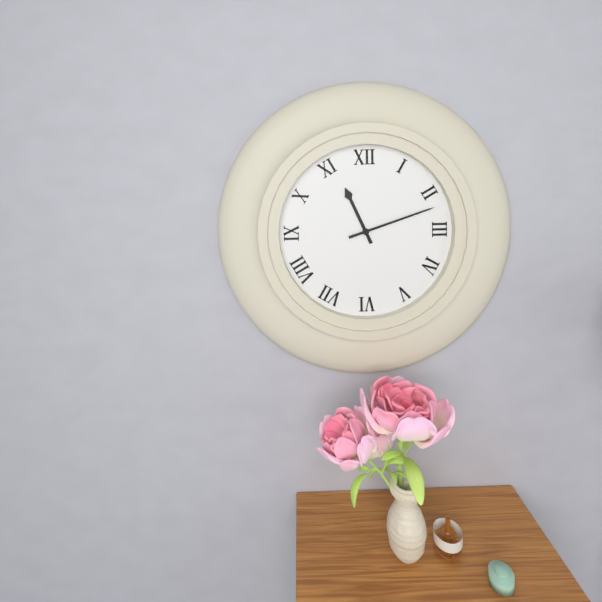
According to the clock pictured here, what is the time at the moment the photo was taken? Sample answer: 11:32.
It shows 11:12
